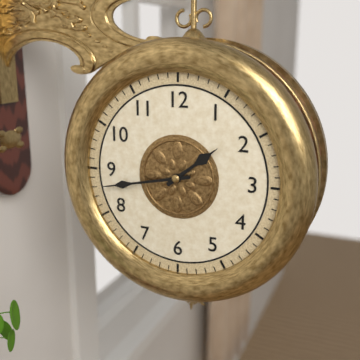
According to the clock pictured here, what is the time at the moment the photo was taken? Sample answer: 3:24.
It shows 1:43
